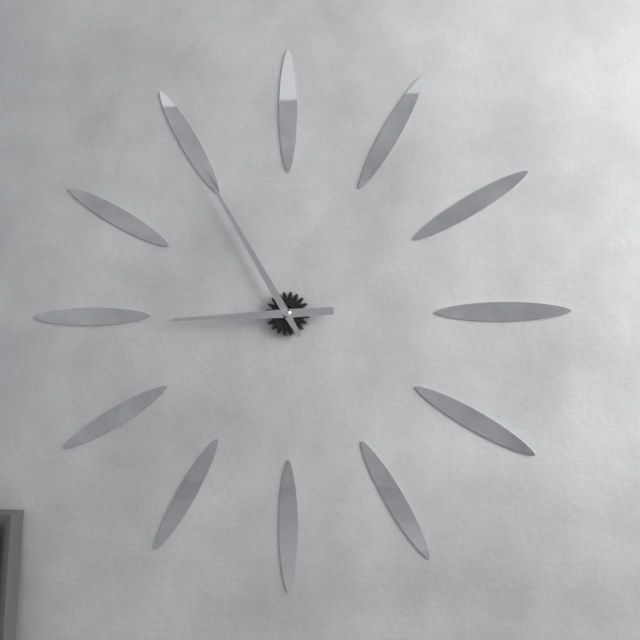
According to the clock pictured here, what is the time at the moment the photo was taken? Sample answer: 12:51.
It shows 8:55
